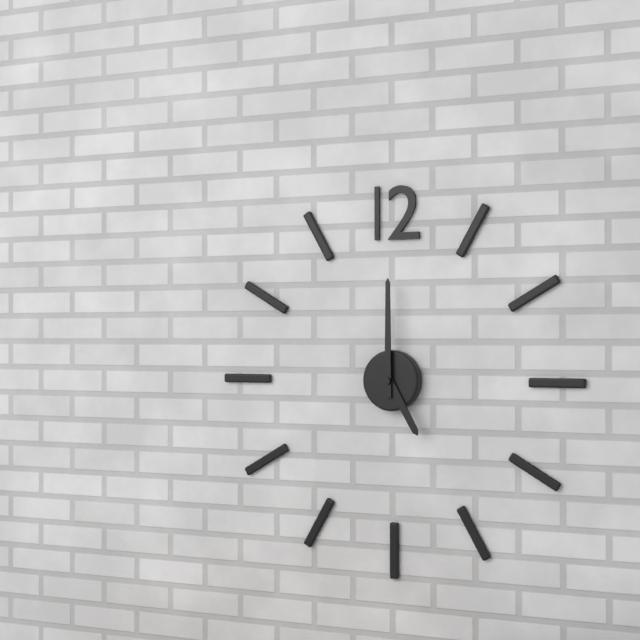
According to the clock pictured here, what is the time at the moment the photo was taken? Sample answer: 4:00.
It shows 5:00
